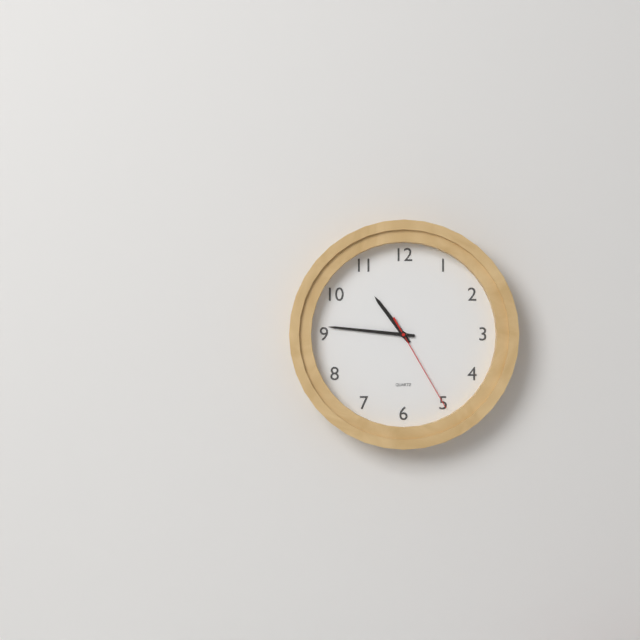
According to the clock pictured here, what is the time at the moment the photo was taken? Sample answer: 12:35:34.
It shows 10:46:25
